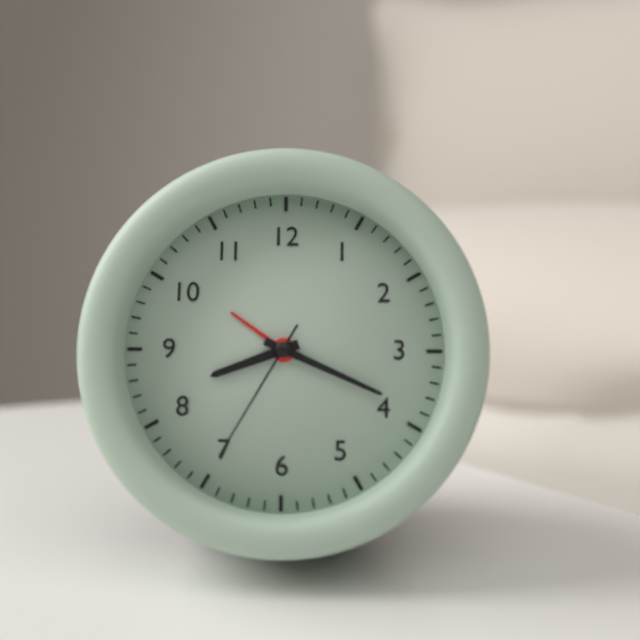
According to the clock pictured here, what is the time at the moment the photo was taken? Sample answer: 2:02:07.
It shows 8:19:35
